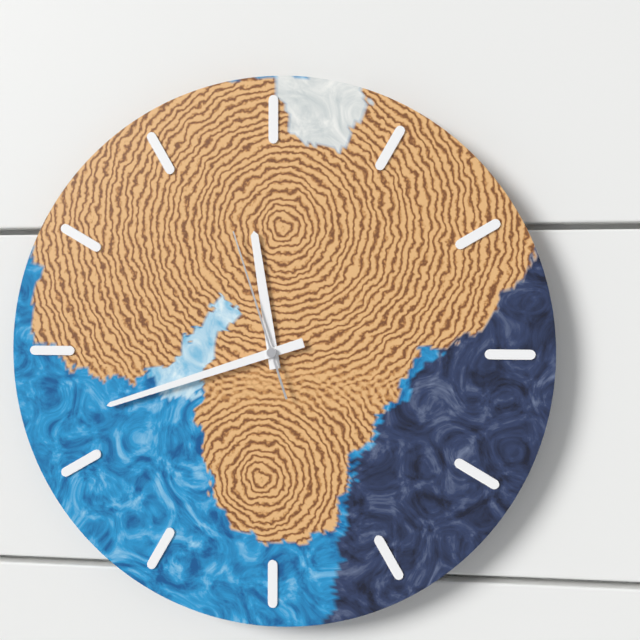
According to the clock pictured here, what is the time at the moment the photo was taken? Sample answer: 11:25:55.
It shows 11:42:57
